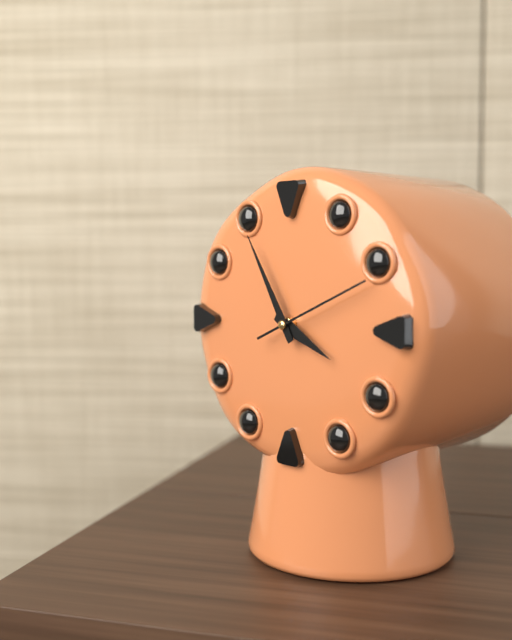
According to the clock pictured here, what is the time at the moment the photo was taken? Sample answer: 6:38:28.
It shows 3:55:11
